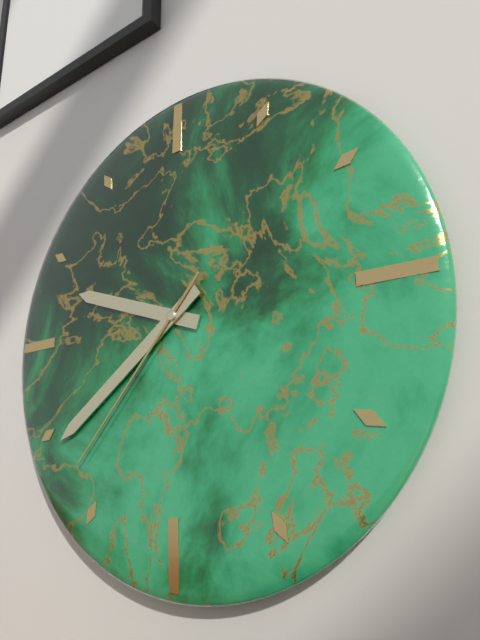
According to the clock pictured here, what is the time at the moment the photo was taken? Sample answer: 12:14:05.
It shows 9:39:37
